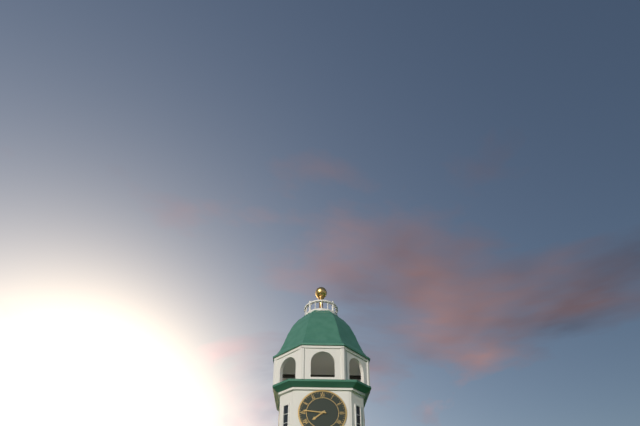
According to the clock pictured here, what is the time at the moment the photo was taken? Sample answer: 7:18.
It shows 7:46
